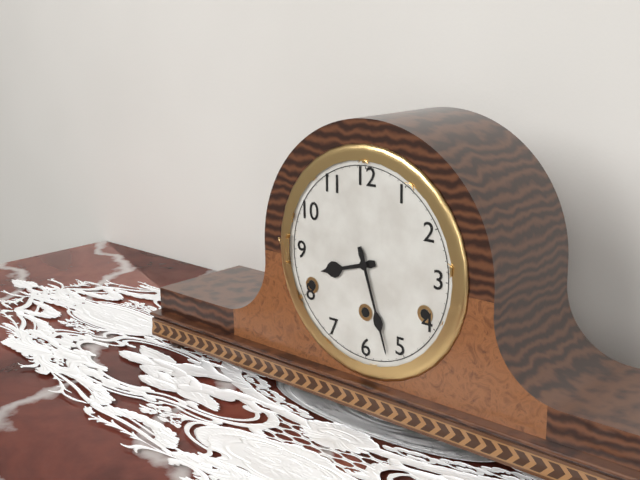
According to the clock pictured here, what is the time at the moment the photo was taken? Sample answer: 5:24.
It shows 8:27
